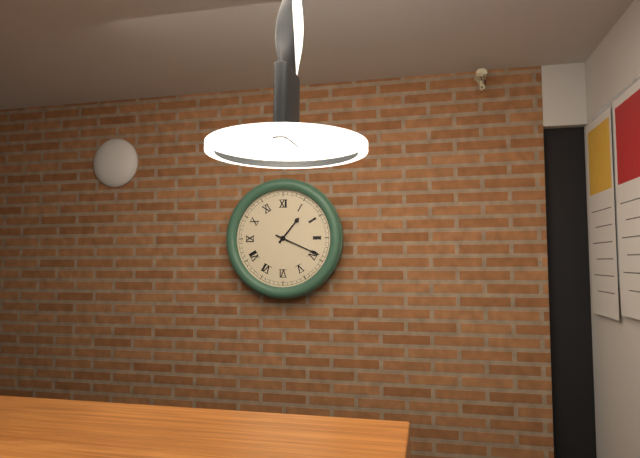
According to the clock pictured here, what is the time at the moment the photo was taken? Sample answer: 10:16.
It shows 1:19
